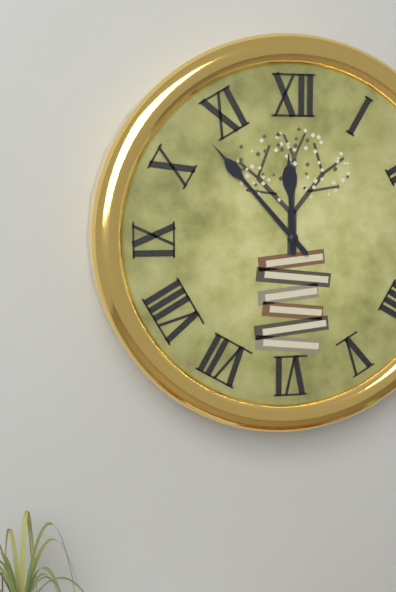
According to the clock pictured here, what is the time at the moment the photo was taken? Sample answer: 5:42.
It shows 11:53
